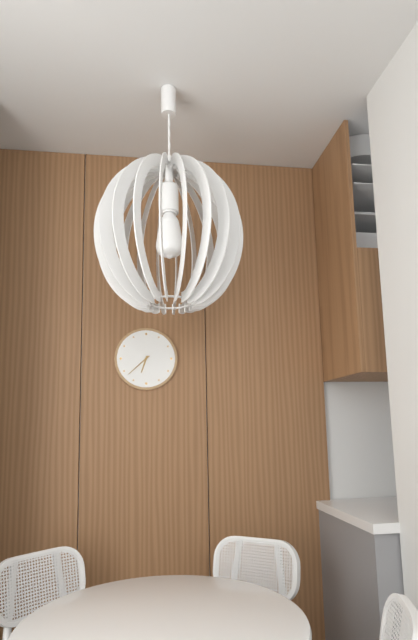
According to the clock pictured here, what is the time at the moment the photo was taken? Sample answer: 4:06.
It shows 6:38
